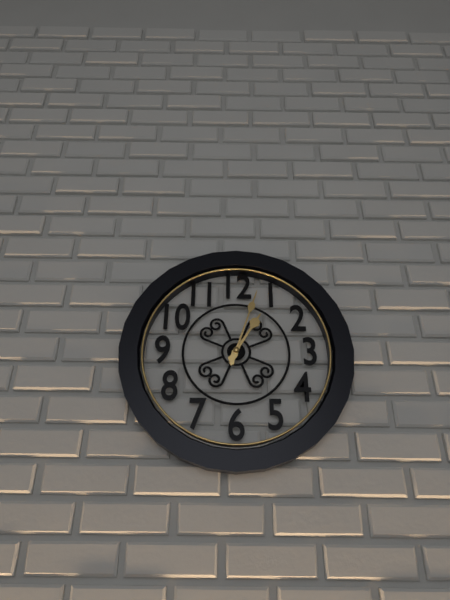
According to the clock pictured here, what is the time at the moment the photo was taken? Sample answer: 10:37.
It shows 1:03
